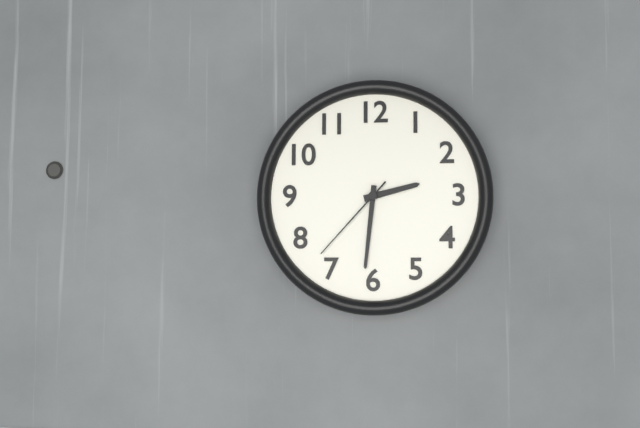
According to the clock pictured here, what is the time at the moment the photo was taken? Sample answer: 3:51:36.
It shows 2:31:37
